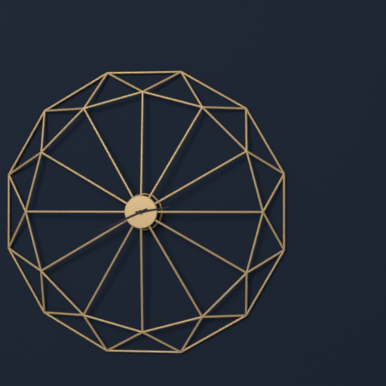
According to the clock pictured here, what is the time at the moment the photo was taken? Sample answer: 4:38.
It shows 2:41
